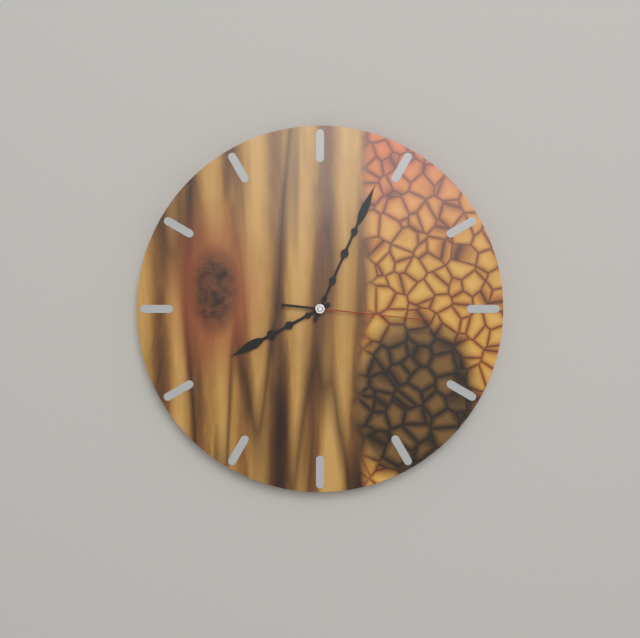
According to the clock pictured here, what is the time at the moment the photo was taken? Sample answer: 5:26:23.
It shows 8:04:16
